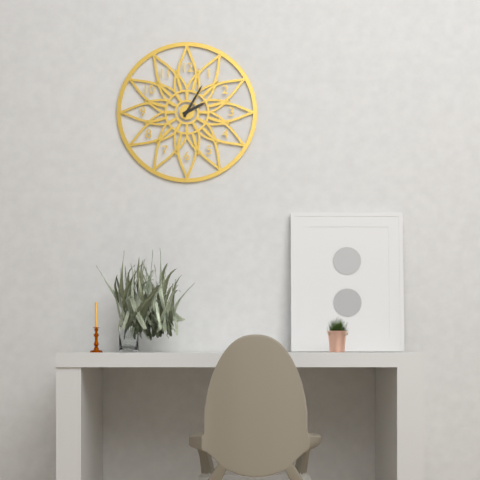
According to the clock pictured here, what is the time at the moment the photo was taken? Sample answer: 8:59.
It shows 2:05
